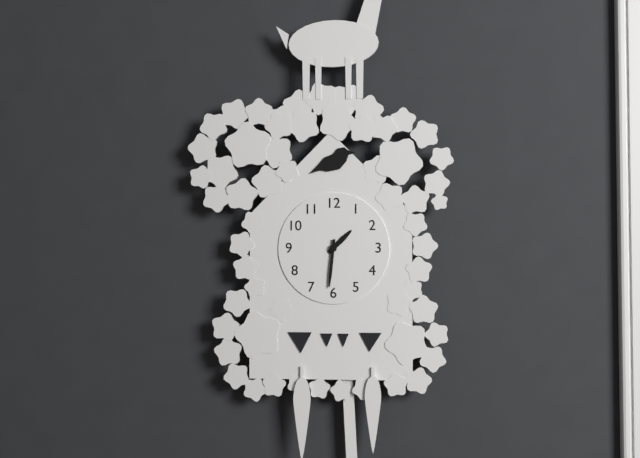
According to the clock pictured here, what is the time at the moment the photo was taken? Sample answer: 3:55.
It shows 1:31
